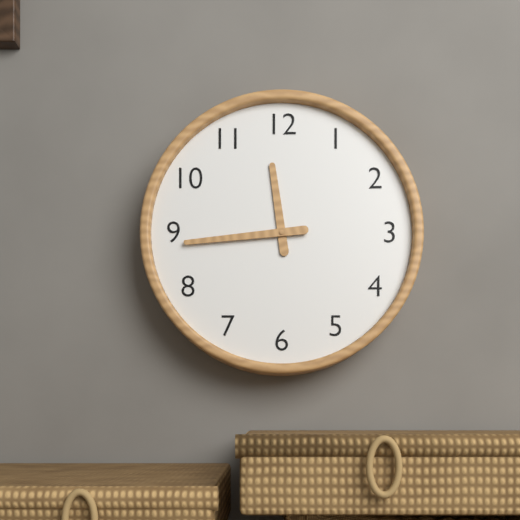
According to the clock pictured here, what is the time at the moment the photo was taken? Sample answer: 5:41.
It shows 11:44
